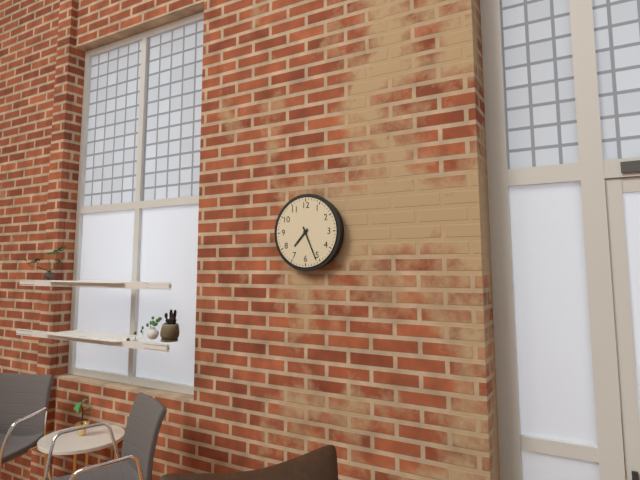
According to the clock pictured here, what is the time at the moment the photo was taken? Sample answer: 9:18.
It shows 7:26
